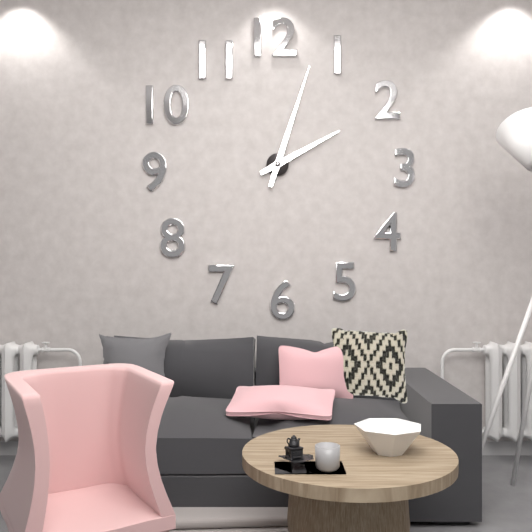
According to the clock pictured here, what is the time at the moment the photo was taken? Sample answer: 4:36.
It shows 2:03
